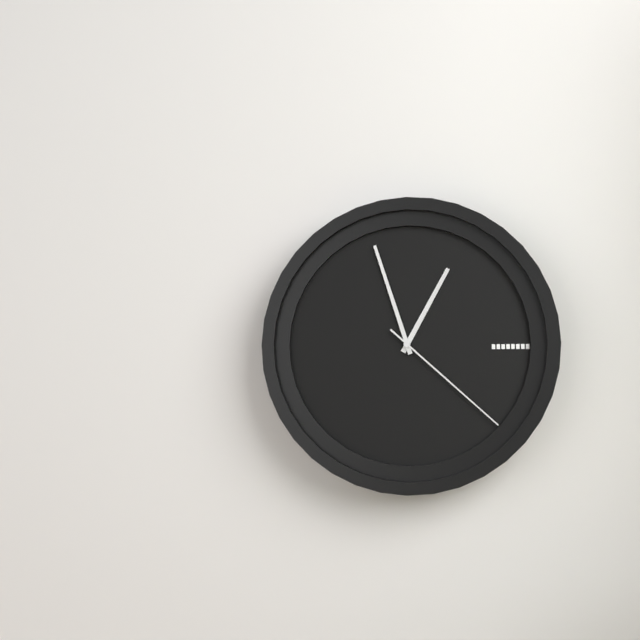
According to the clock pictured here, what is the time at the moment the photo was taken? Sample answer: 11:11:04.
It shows 12:57:22
